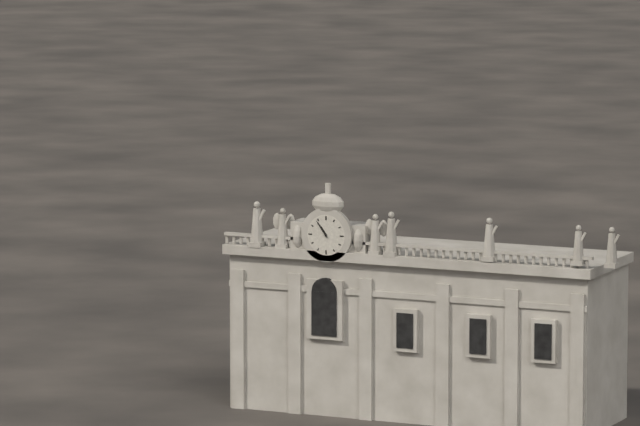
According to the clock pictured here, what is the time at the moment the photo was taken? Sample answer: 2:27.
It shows 10:54
